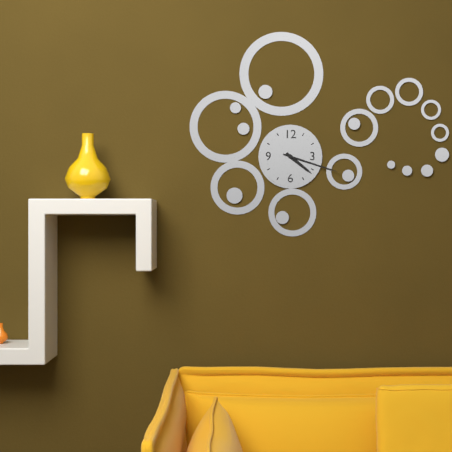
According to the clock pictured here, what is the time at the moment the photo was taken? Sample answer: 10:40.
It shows 4:18
